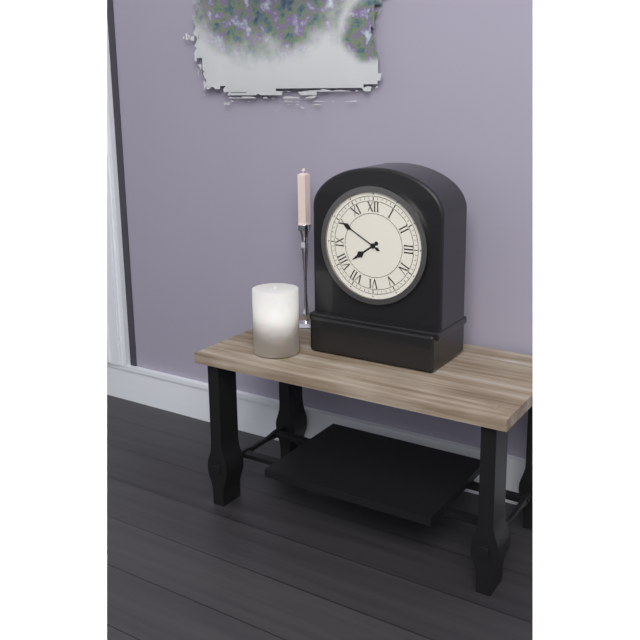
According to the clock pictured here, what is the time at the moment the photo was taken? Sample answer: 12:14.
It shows 7:50
